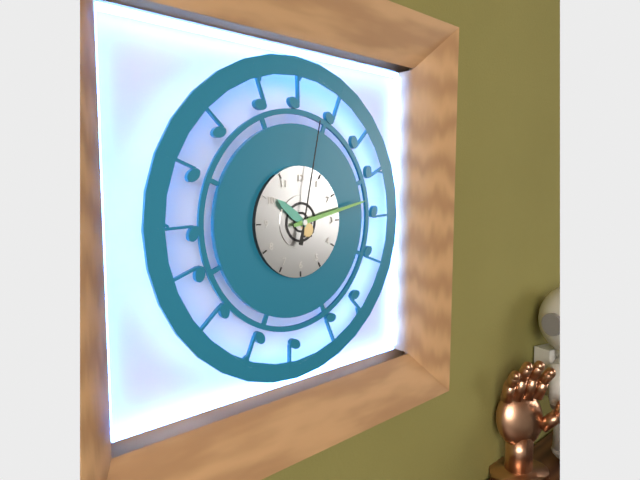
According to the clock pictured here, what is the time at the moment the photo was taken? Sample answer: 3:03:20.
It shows 10:13:02
